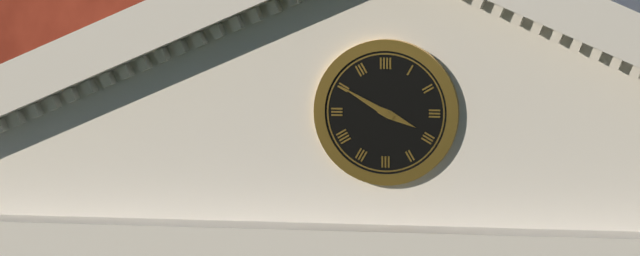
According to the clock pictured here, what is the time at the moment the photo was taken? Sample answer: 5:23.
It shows 3:50
